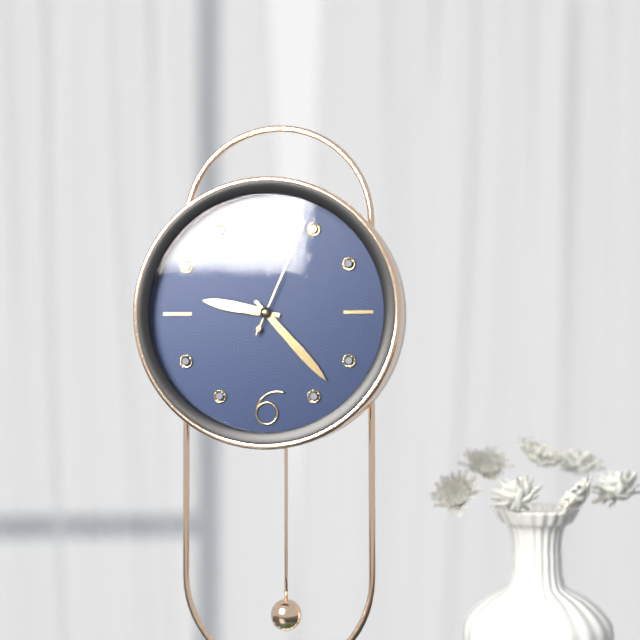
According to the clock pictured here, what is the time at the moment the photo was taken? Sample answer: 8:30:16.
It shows 9:23:04
